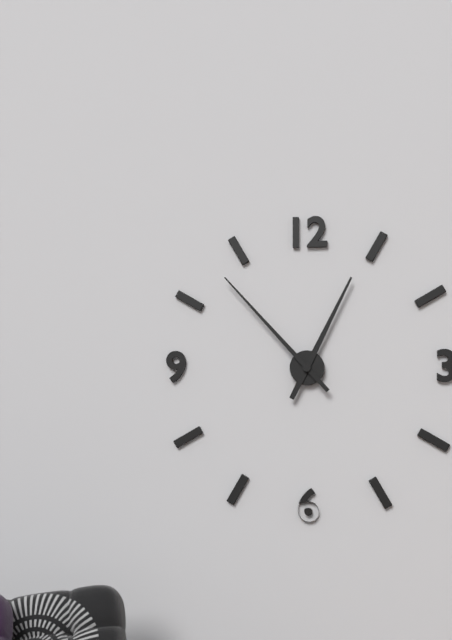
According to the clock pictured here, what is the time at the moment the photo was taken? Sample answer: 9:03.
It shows 12:53
